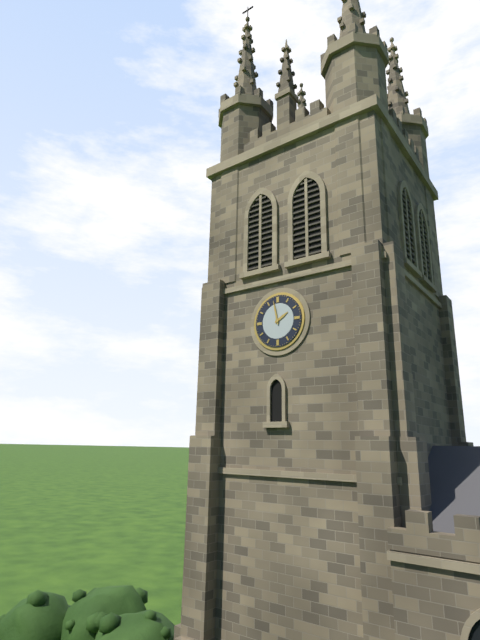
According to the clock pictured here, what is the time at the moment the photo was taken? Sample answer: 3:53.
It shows 1:58
